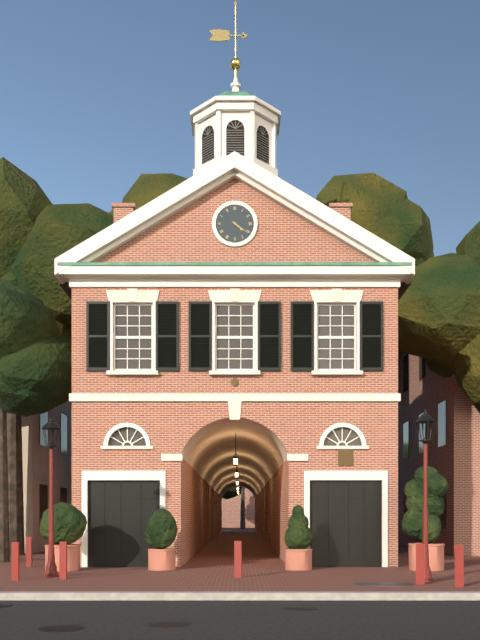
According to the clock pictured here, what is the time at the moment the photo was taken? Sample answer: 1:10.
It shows 4:21
